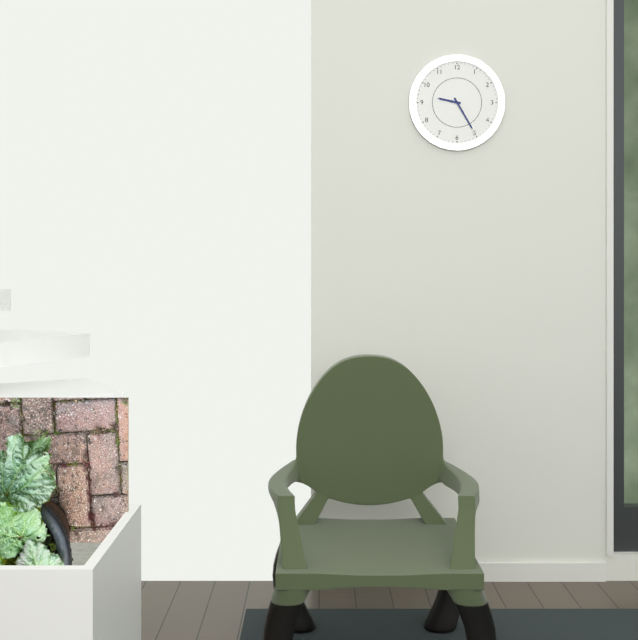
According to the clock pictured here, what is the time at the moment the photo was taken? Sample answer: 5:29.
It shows 9:25
